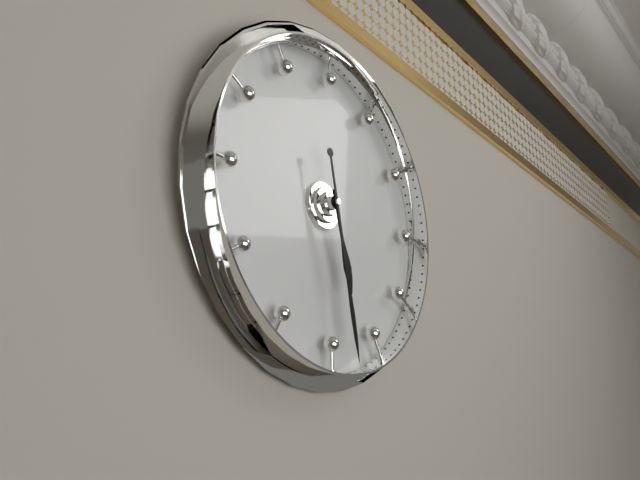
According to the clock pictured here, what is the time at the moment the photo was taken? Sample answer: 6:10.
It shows 5:28
